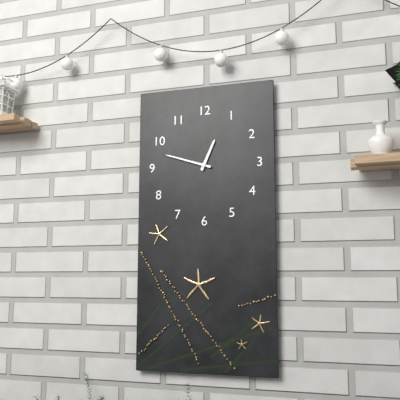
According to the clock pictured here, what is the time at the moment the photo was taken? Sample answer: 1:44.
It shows 12:48
